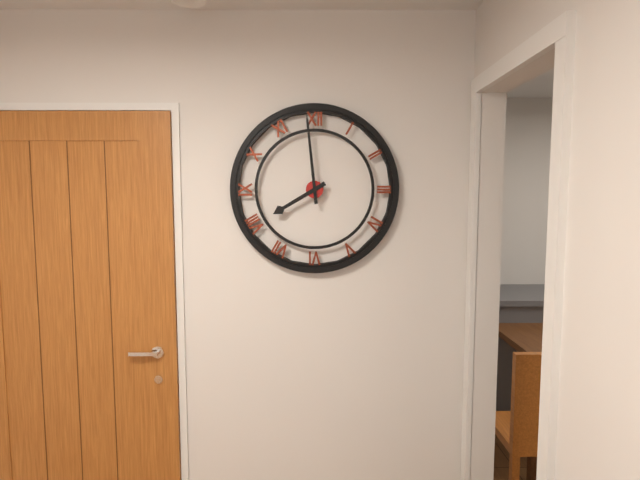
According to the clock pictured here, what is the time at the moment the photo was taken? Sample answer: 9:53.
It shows 7:59
